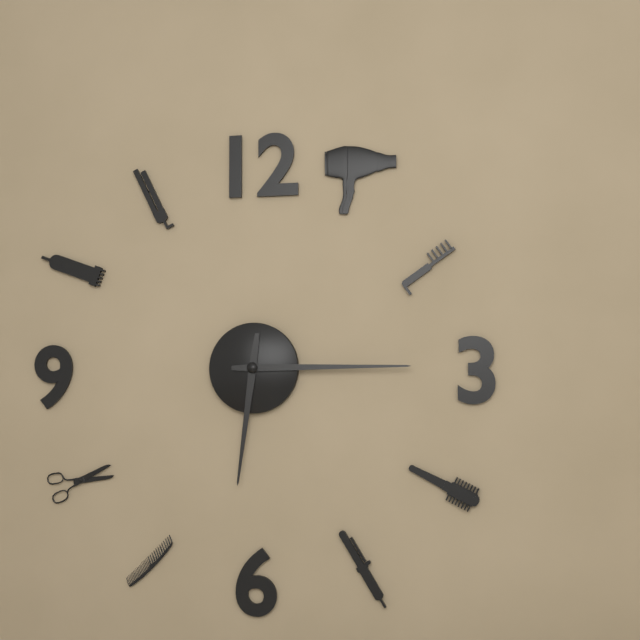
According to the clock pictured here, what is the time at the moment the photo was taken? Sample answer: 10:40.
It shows 6:15
